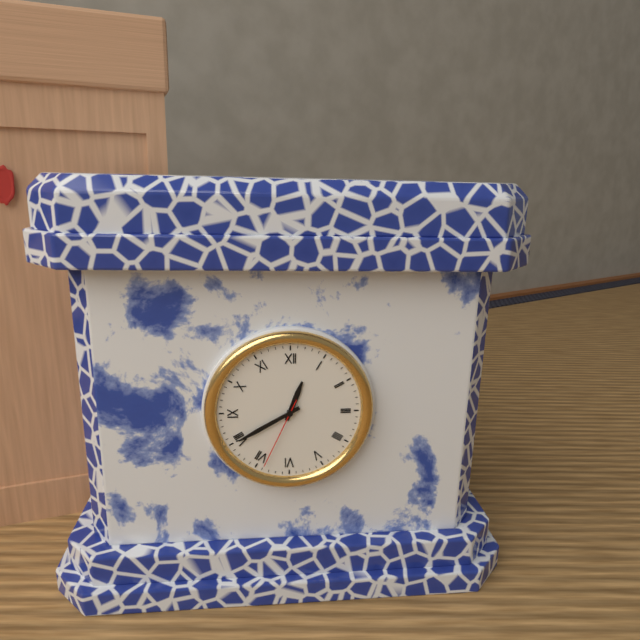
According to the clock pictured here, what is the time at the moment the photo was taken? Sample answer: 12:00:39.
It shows 12:40:34
